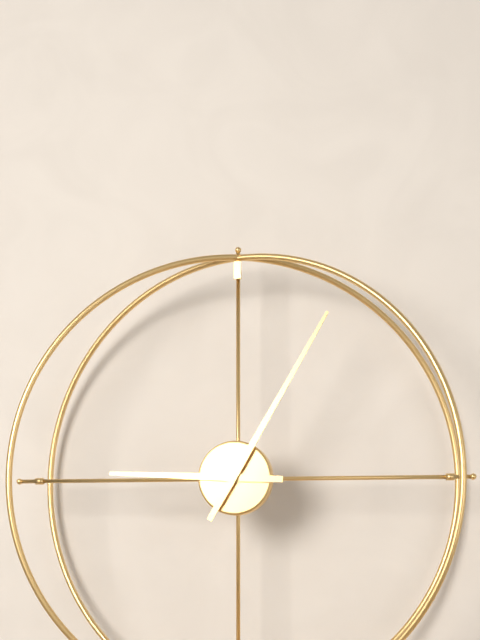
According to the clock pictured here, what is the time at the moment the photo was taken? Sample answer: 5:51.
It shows 9:05
